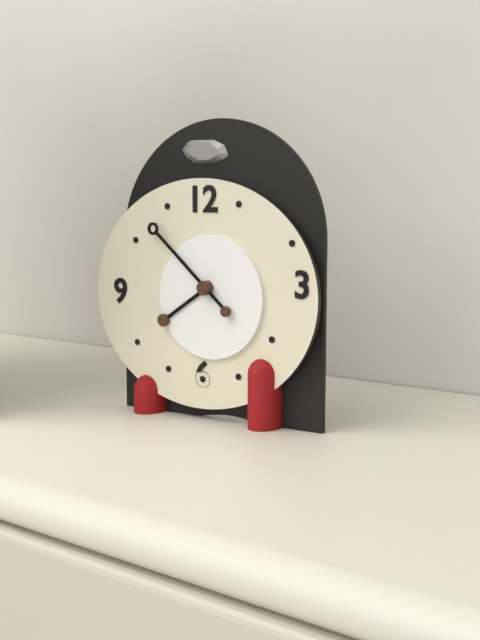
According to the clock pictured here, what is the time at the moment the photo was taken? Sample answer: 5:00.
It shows 7:52
